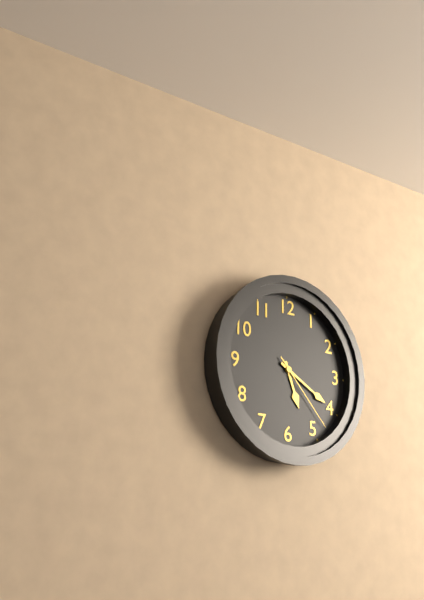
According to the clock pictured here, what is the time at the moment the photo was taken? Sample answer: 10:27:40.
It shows 5:20:23
